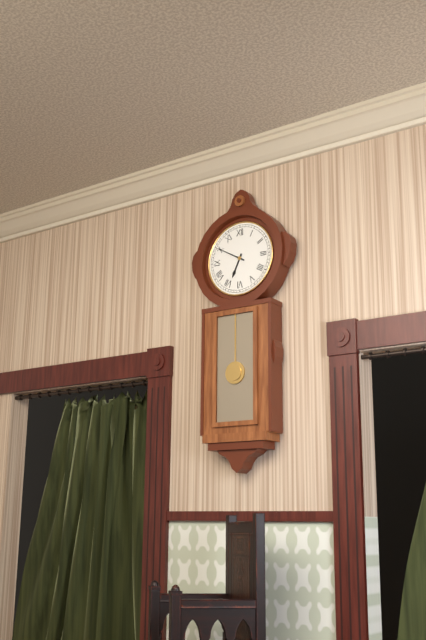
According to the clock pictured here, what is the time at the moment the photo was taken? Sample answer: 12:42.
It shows 6:50
